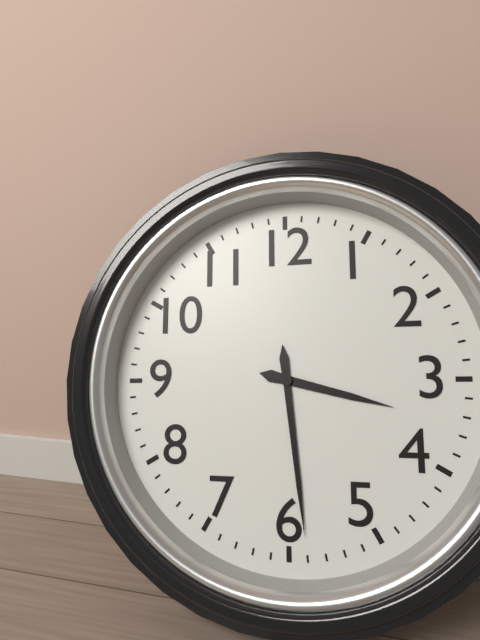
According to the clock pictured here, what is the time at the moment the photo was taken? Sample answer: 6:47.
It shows 3:29
